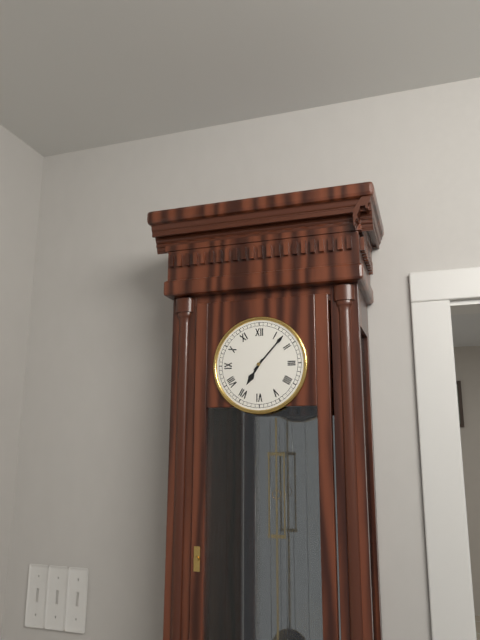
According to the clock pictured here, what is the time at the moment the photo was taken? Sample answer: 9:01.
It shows 7:07
